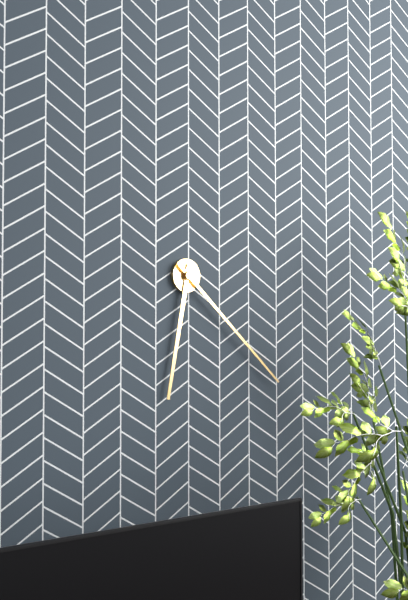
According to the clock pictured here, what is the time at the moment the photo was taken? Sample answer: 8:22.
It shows 6:22
